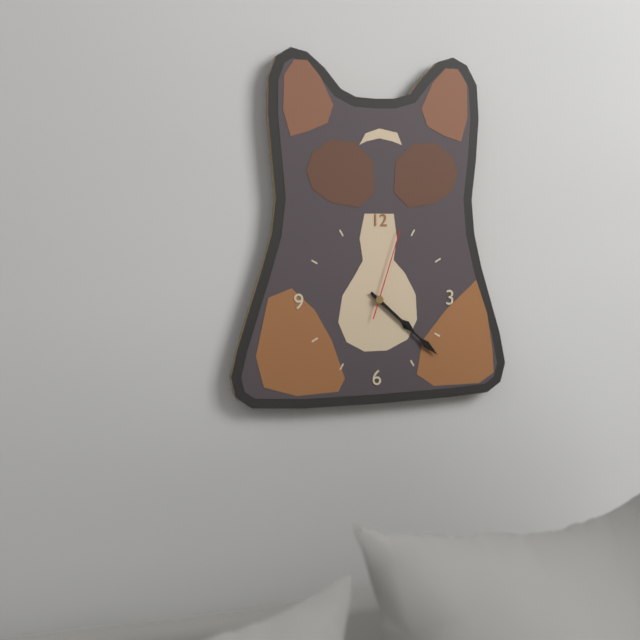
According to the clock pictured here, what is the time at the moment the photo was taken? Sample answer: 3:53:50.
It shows 4:22:03
